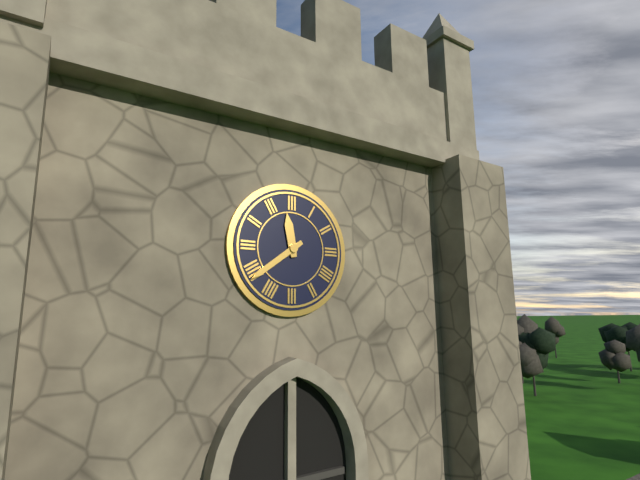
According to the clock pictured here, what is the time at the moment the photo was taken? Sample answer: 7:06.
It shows 11:39
